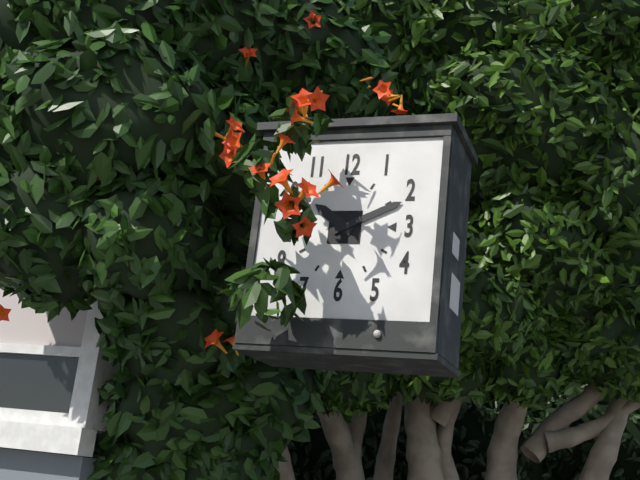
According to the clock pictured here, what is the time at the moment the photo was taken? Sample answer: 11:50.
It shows 10:11
